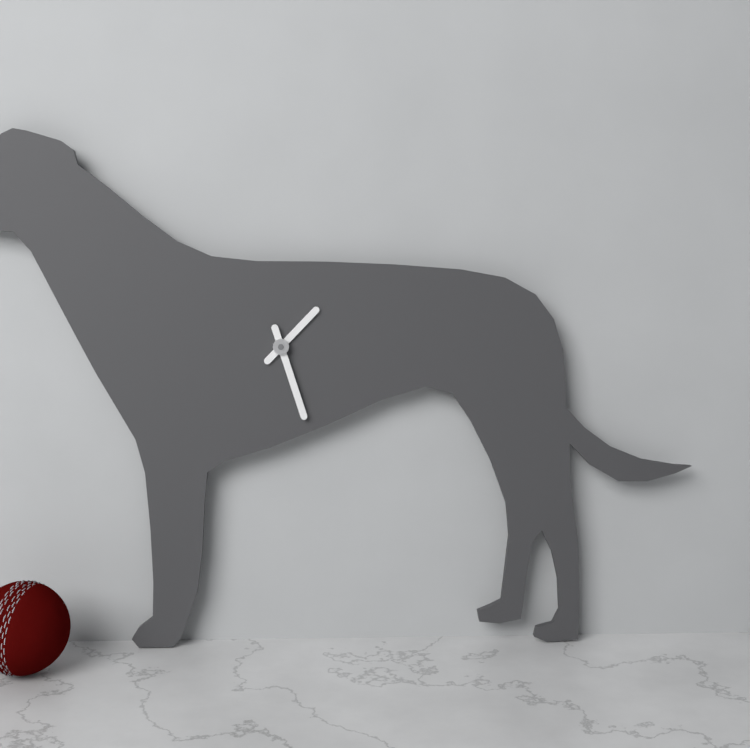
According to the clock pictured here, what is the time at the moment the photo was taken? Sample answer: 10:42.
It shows 1:27
